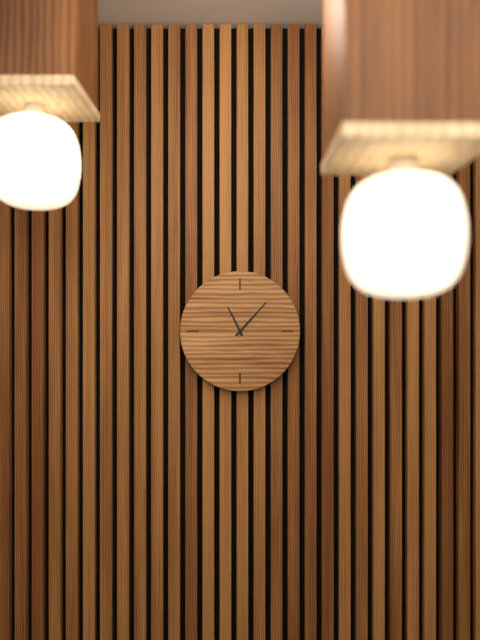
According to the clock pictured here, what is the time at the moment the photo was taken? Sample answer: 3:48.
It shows 11:07
